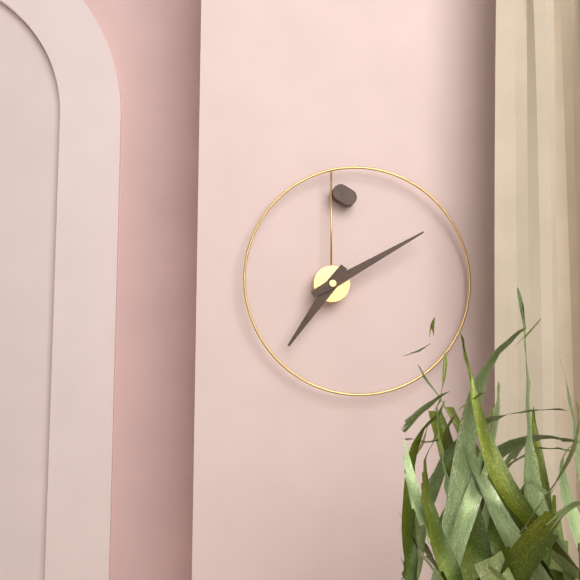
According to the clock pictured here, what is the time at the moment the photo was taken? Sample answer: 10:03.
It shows 7:10
